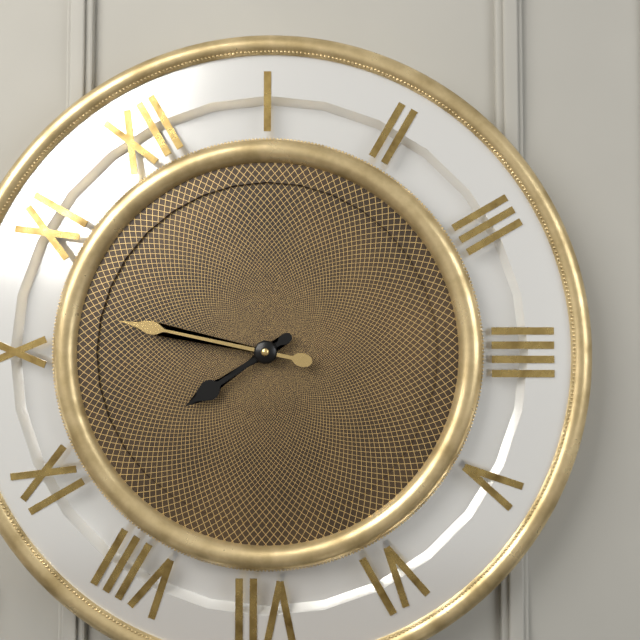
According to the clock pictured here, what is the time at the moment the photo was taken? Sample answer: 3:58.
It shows 8:52
